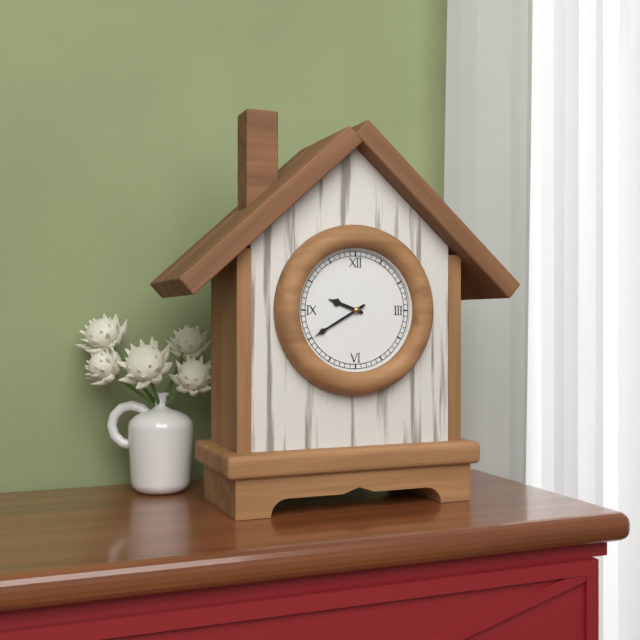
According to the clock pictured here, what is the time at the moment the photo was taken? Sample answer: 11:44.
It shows 9:40
